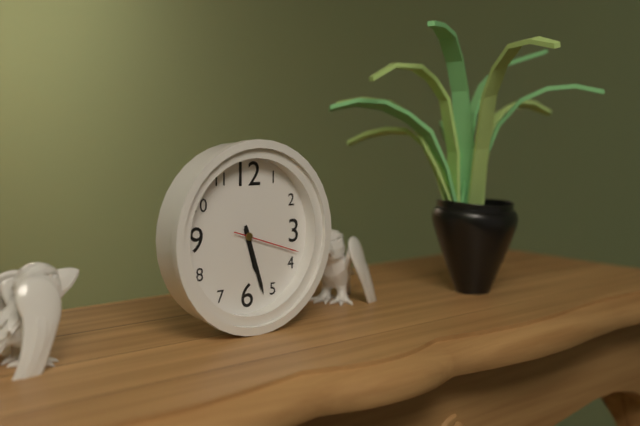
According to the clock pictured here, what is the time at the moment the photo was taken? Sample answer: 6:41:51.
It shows 5:27:18
